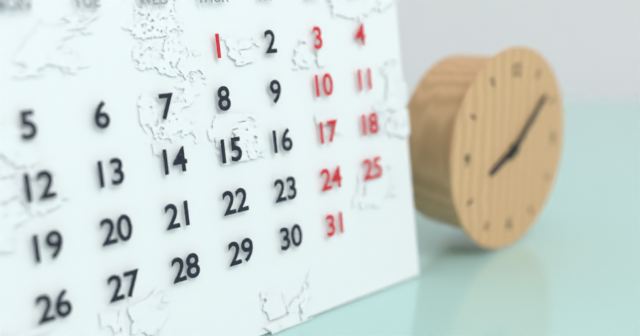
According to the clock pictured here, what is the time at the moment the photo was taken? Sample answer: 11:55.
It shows 8:08
